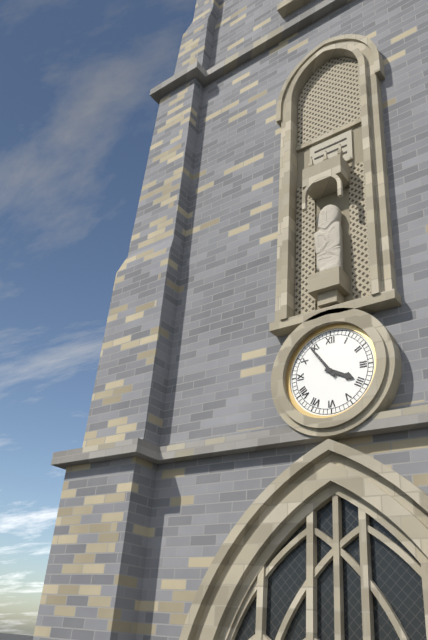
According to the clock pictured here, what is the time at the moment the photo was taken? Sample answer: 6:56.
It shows 3:54
